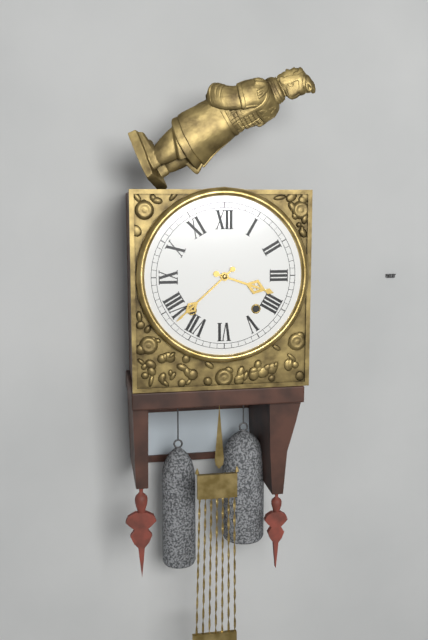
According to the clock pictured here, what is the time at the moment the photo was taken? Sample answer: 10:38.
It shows 3:38
